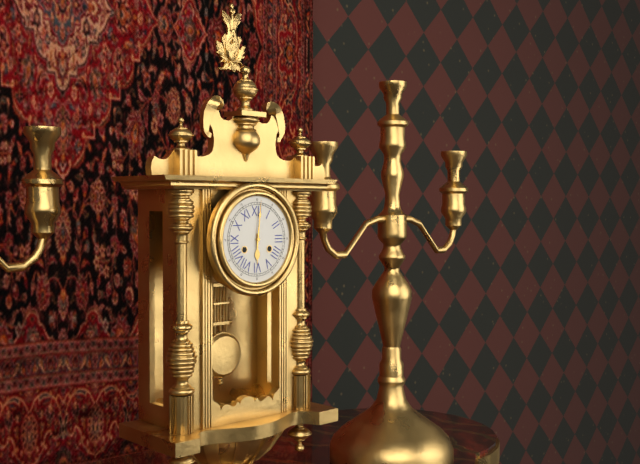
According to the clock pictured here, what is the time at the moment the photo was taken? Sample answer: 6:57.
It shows 6:01
